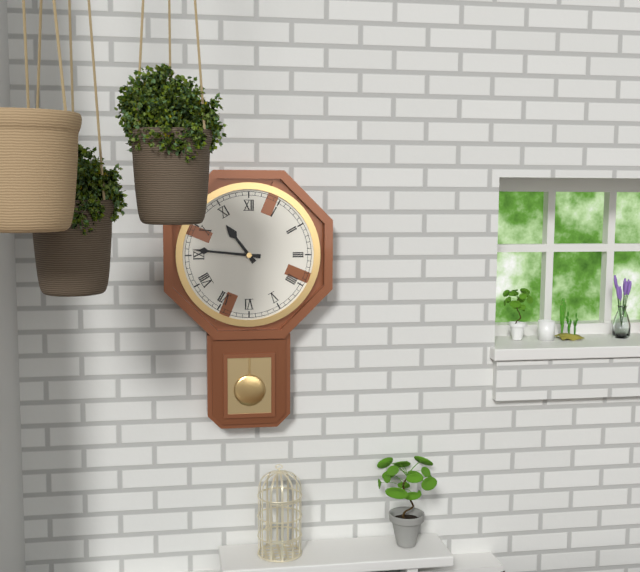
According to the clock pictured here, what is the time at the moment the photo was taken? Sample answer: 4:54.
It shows 10:46
